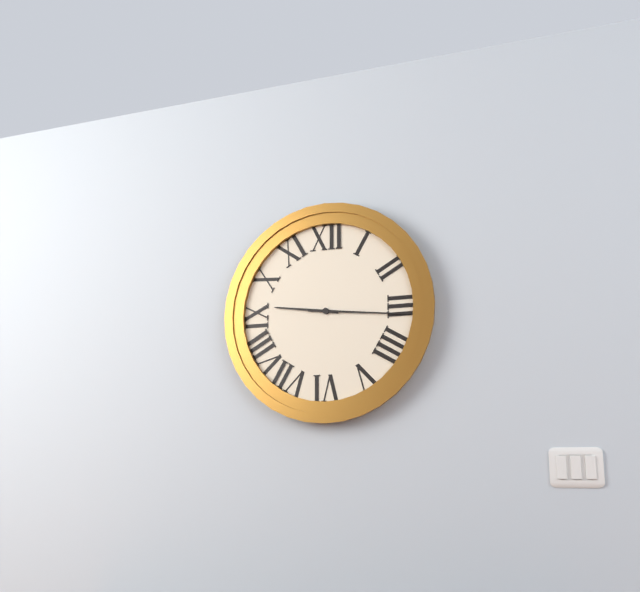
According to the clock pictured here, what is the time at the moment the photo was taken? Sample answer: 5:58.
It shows 9:16
